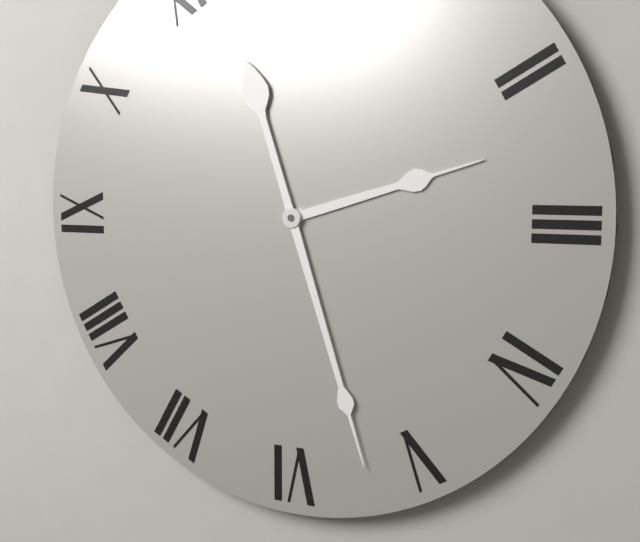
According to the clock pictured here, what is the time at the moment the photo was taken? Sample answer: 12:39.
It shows 2:27
